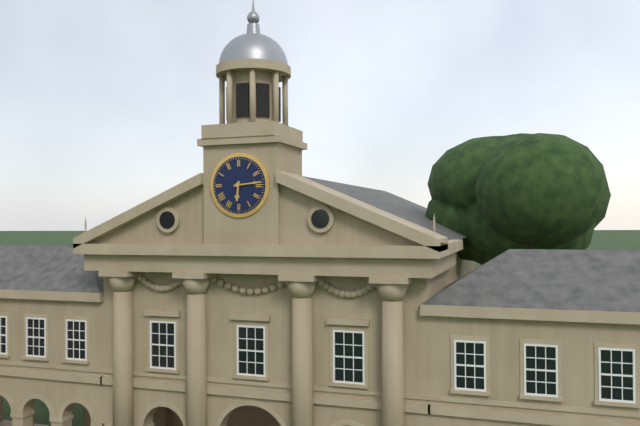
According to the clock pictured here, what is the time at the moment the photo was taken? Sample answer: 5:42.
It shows 6:14
